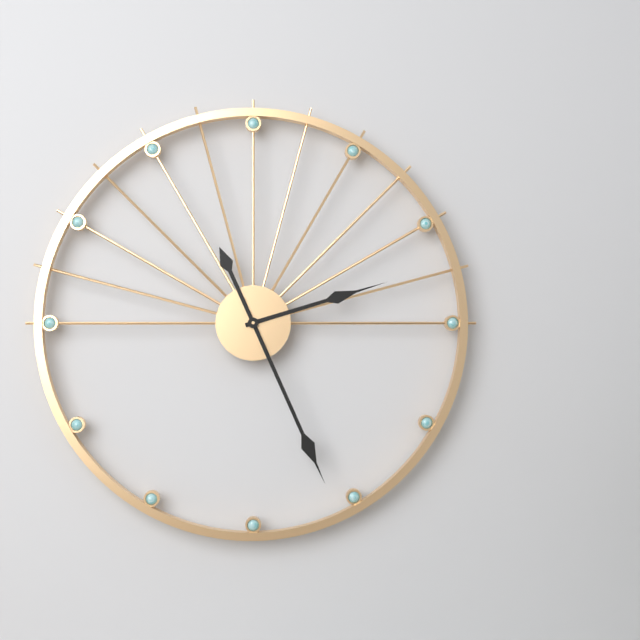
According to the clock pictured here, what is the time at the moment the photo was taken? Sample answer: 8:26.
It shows 2:26
